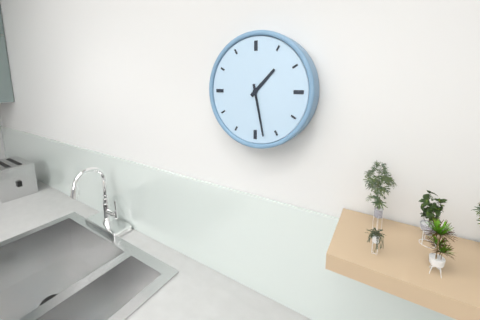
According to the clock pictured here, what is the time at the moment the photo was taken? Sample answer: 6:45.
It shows 1:28
